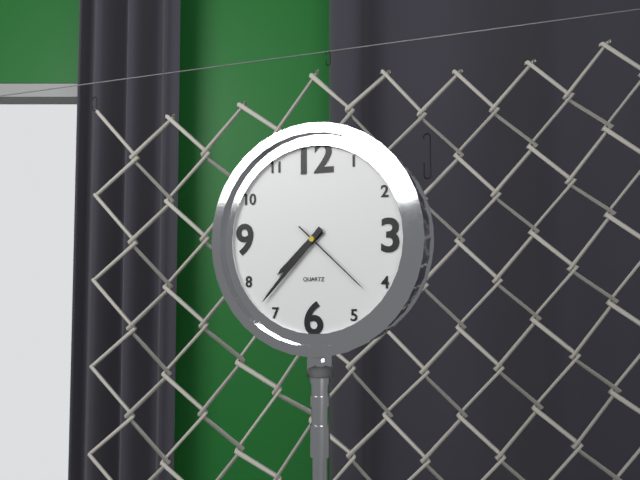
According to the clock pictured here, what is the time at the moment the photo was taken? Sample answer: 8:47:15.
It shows 7:37:22
